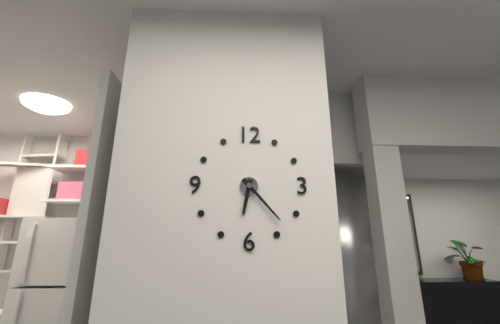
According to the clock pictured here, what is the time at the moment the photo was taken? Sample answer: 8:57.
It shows 6:23
